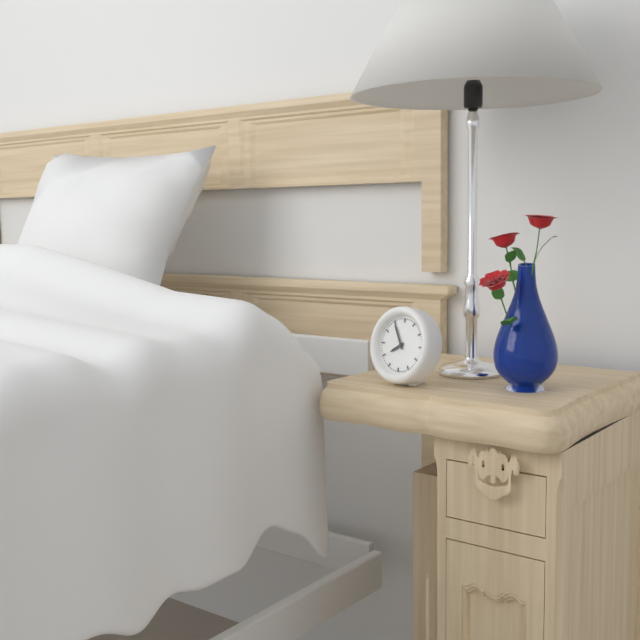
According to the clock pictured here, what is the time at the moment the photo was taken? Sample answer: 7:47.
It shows 7:55
